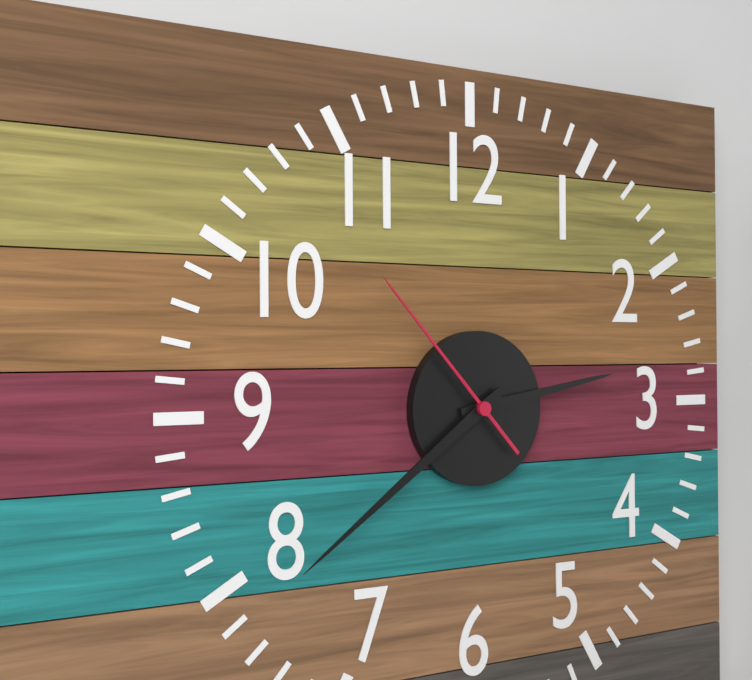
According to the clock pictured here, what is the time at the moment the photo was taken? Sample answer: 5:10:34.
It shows 2:39:53
